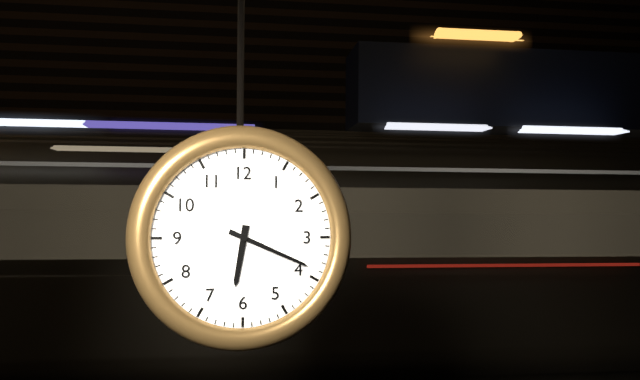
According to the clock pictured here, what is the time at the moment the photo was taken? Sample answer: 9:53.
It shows 6:19
